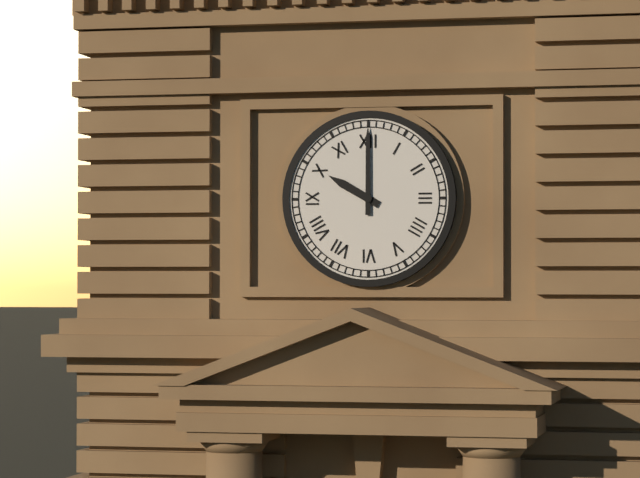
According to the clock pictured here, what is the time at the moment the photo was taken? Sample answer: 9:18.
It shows 10:00
